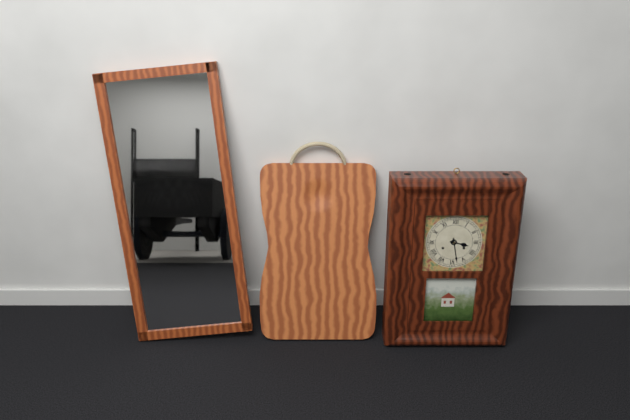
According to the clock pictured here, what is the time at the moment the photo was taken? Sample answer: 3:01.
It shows 3:28
